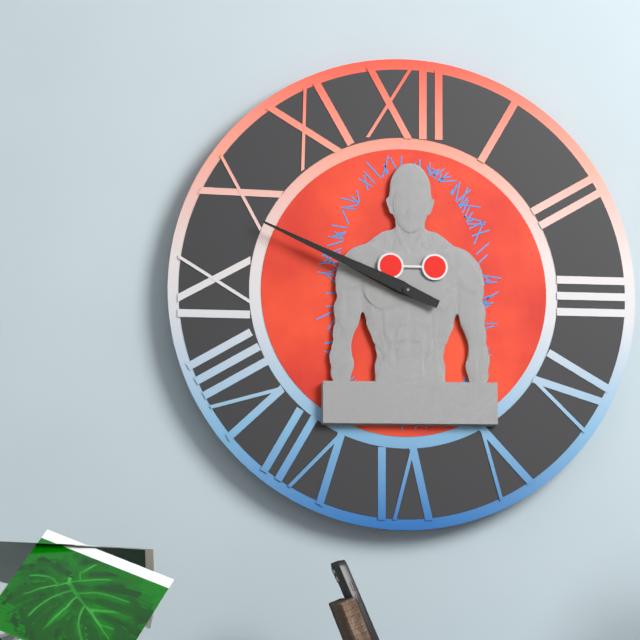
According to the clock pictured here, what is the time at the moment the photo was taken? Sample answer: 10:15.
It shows 9:49
